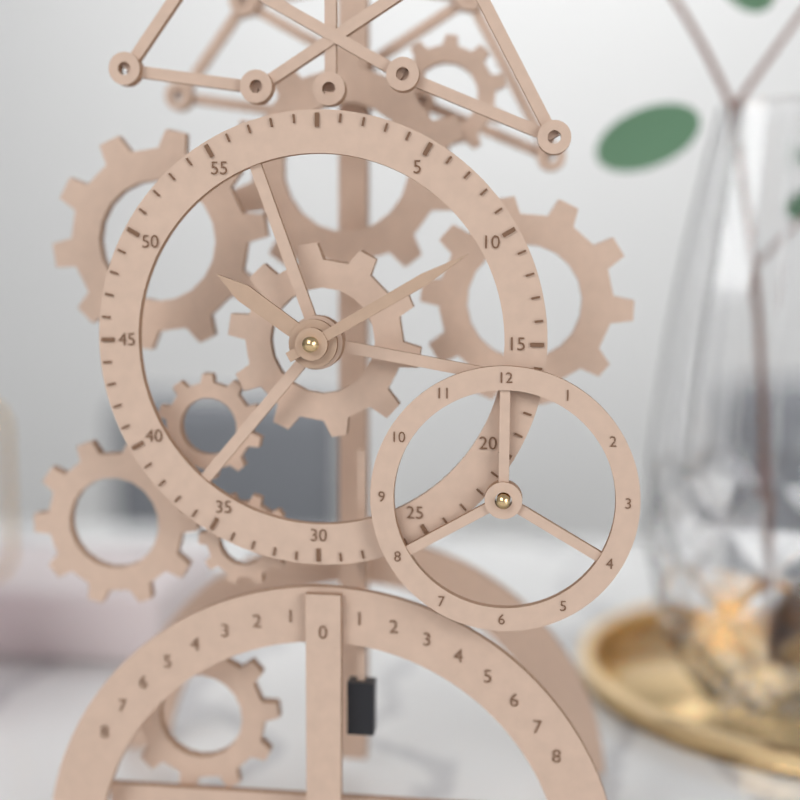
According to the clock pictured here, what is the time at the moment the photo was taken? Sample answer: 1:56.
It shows 10:10
